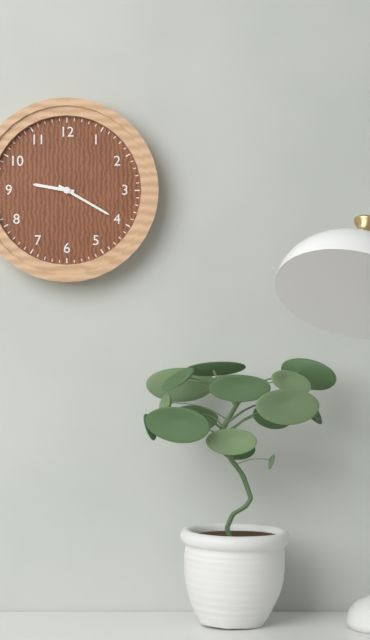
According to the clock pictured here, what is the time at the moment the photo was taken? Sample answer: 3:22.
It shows 9:20
